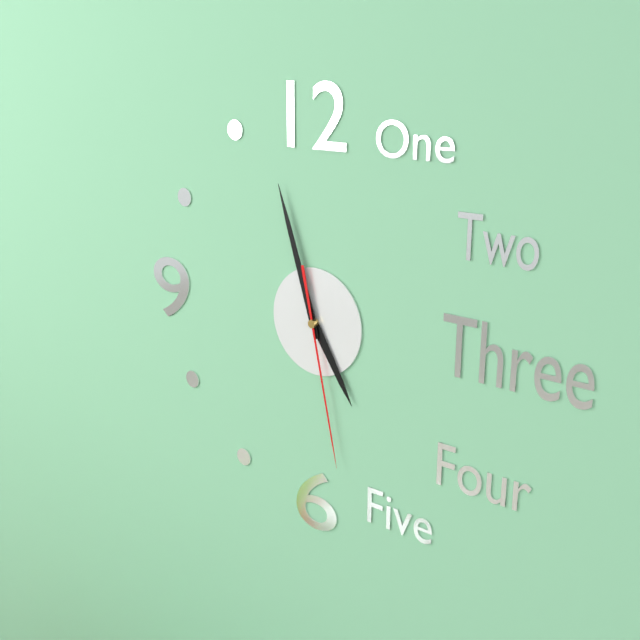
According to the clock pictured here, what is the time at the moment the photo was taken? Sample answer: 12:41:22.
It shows 4:57:28
